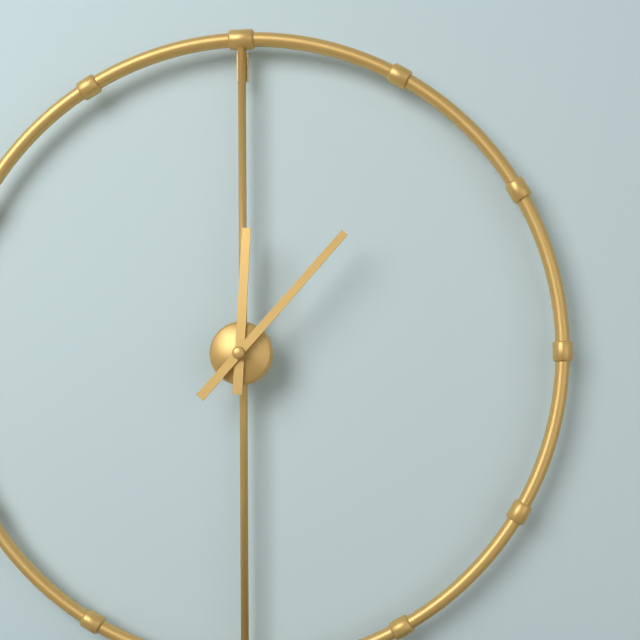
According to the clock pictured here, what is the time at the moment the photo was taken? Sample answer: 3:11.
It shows 12:07
